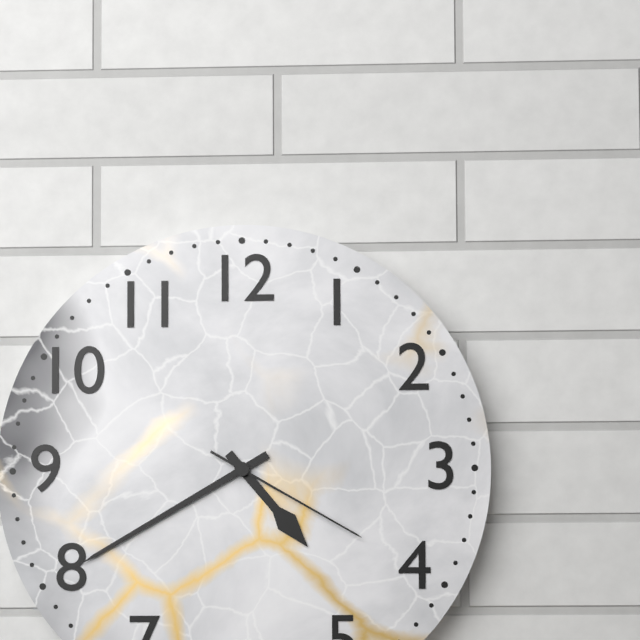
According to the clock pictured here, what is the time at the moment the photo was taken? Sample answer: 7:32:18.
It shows 4:40:20
